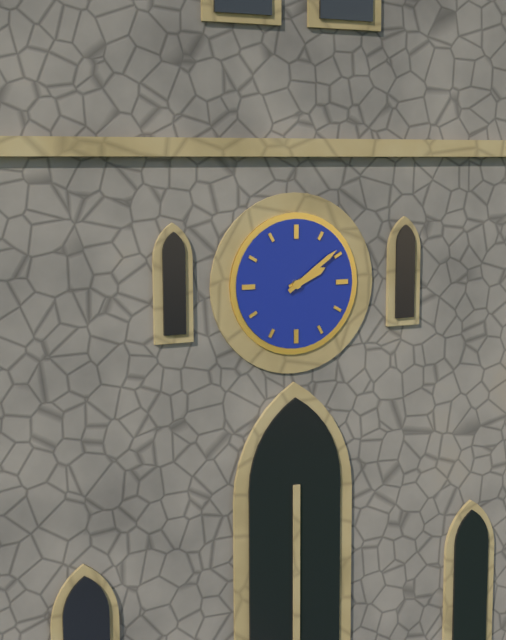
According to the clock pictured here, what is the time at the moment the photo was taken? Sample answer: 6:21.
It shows 2:09
